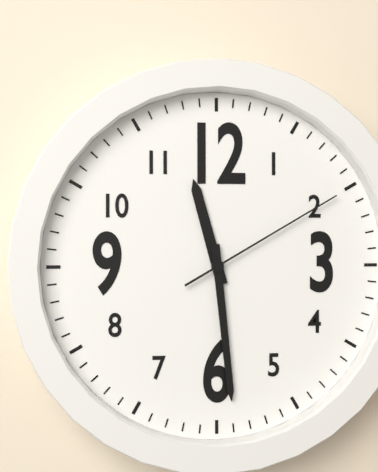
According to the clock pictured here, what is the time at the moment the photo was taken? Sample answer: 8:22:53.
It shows 11:29:10
